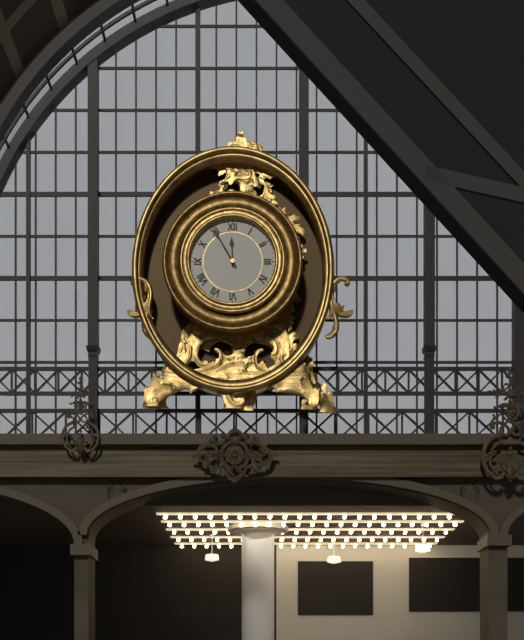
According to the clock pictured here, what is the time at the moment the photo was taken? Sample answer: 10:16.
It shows 11:55
